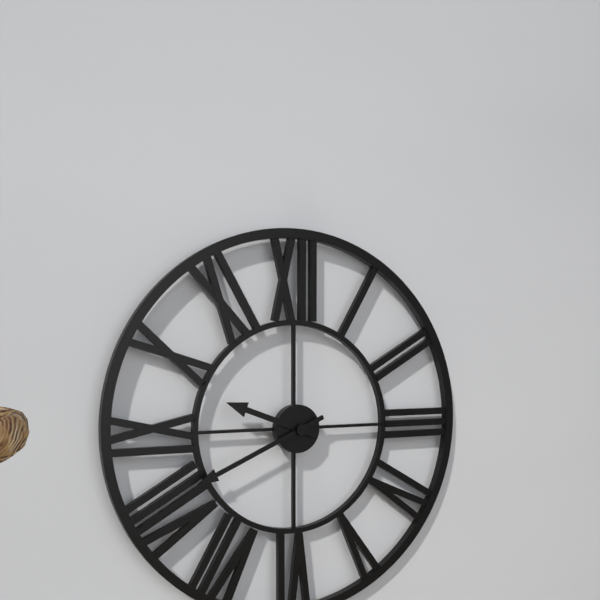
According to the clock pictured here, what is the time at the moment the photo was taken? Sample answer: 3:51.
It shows 9:41
